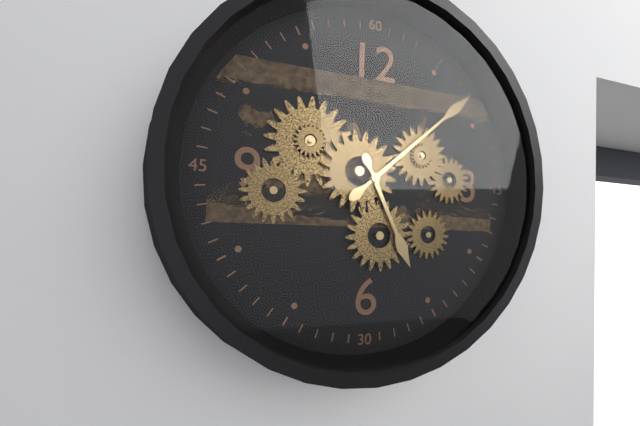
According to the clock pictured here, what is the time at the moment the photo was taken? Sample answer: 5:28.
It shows 5:08
